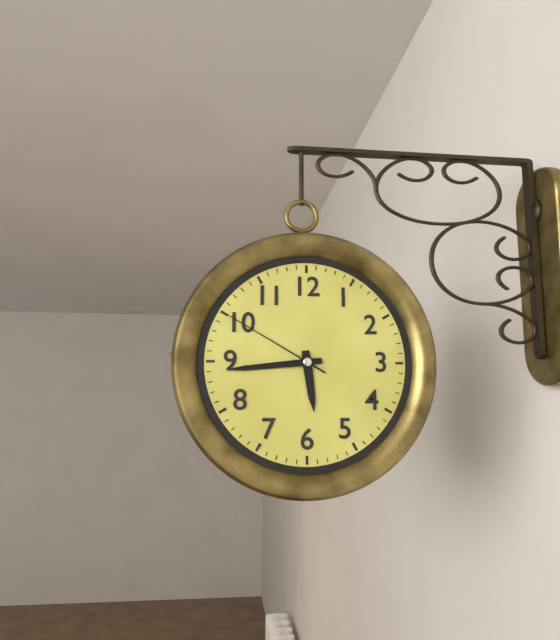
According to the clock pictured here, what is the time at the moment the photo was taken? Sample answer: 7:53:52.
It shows 5:44:50
